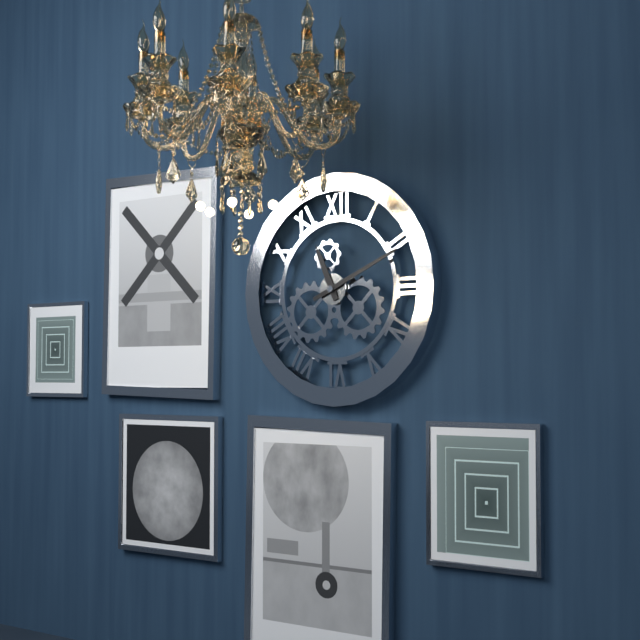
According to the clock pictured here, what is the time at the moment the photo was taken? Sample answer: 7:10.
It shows 11:11
